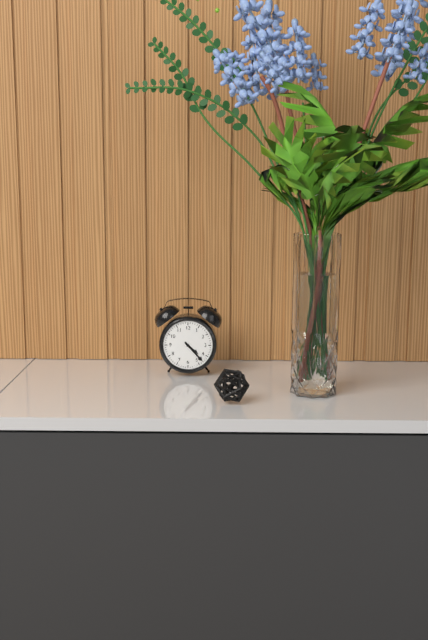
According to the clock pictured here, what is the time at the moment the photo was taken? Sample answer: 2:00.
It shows 4:23
